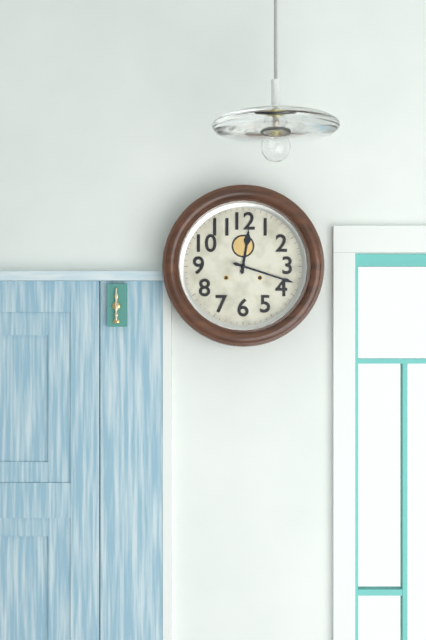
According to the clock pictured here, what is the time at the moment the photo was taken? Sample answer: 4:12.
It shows 12:18
